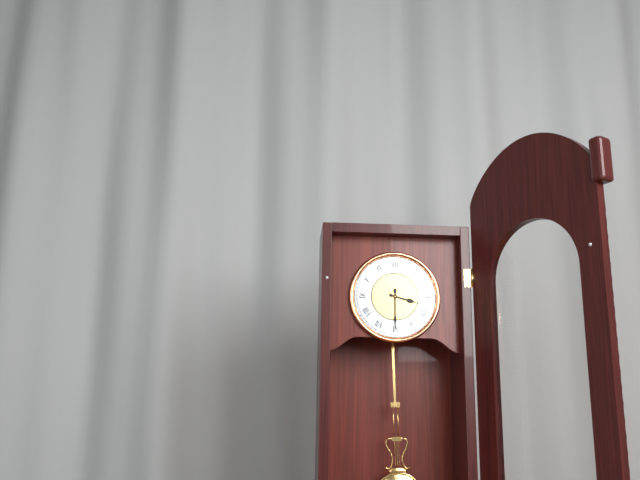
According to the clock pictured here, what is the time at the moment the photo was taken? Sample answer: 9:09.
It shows 3:30
